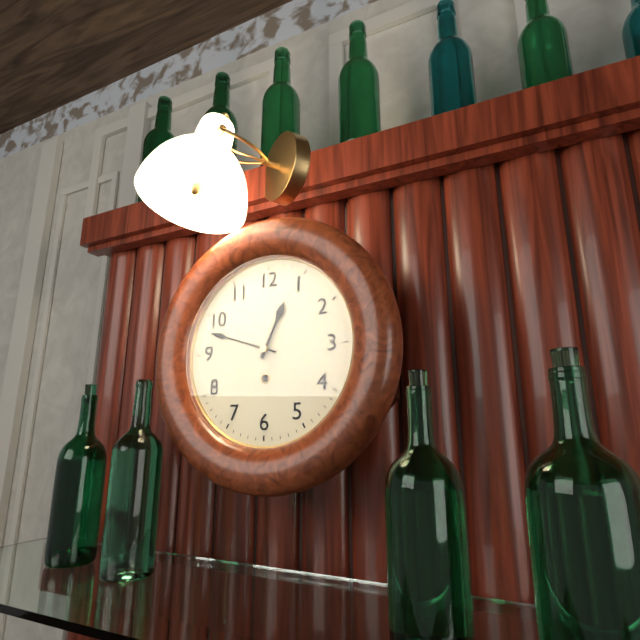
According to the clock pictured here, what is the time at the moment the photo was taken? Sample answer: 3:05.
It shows 12:48
